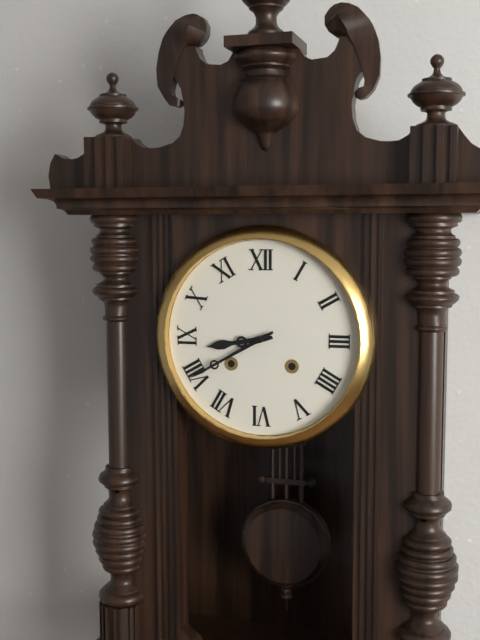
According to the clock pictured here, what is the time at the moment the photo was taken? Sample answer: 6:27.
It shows 8:40
